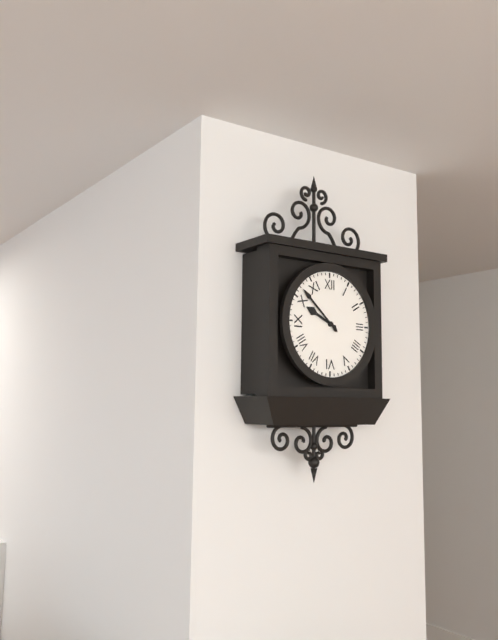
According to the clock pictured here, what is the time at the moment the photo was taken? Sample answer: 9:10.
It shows 9:52
